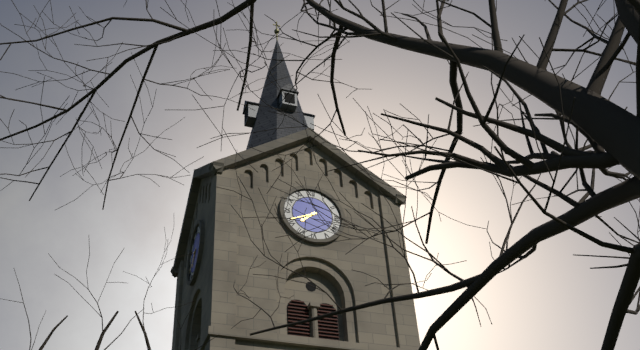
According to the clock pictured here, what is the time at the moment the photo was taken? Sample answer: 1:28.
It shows 7:41
